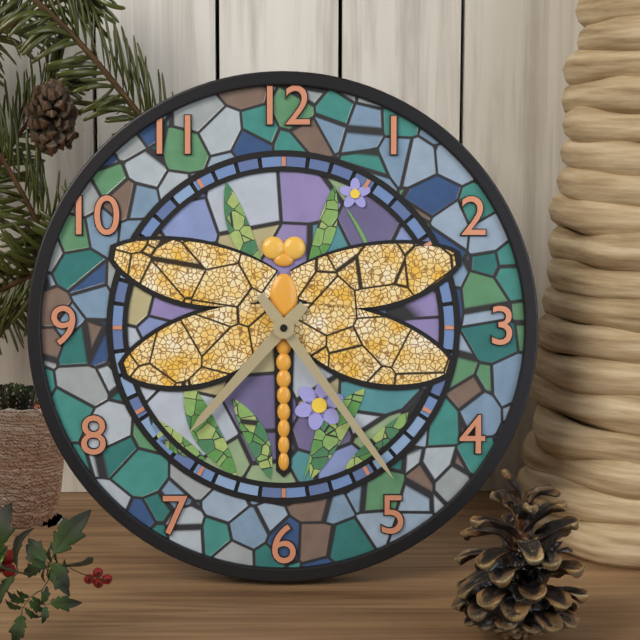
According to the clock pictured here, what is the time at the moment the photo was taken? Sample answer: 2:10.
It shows 7:24
